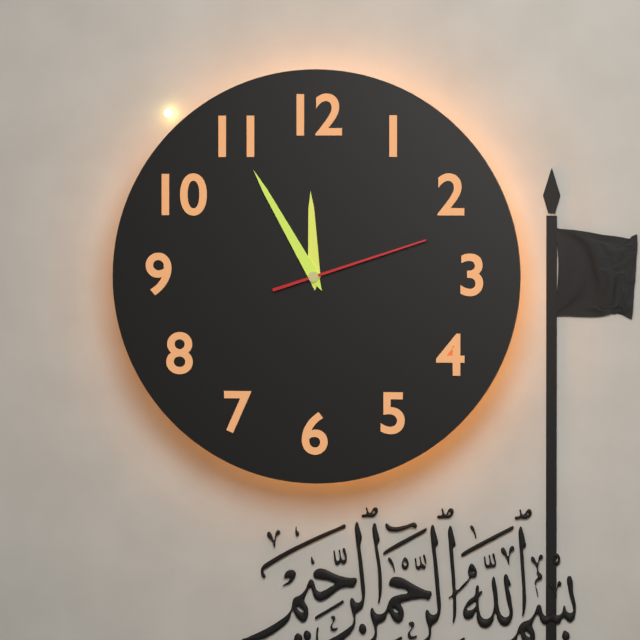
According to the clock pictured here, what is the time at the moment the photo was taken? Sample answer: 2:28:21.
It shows 11:55:12
